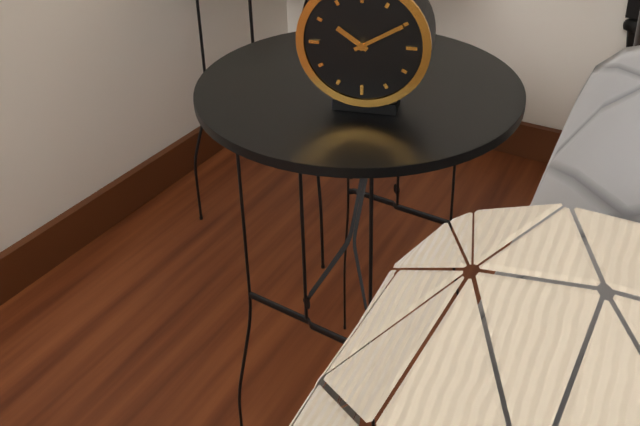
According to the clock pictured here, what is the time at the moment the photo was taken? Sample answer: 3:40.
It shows 10:10
